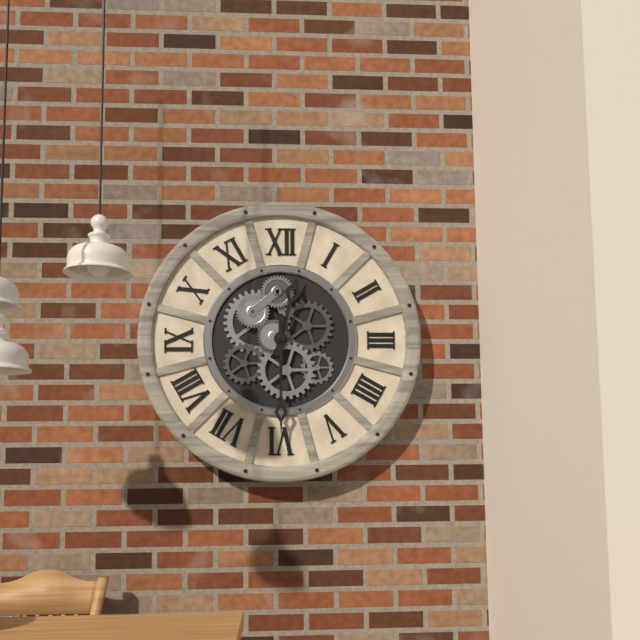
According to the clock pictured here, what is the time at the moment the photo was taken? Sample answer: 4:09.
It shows 12:30
